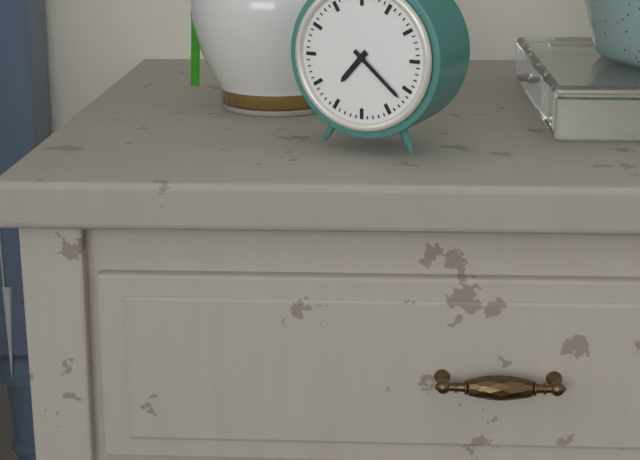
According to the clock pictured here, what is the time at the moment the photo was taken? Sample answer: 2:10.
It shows 7:22
